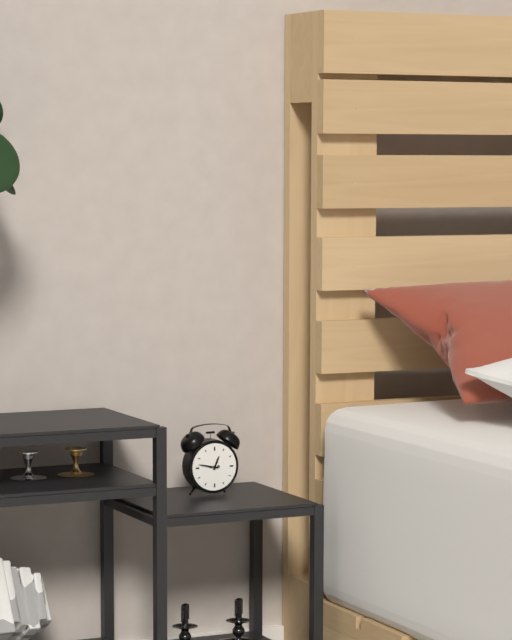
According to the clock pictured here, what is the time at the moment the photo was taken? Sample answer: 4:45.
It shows 12:47
